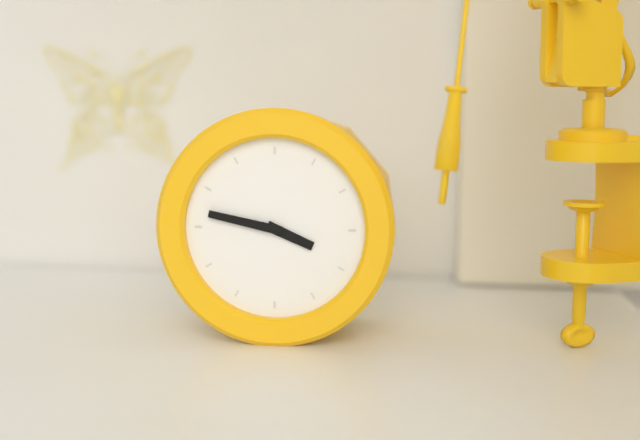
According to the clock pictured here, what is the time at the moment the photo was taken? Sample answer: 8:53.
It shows 3:47
